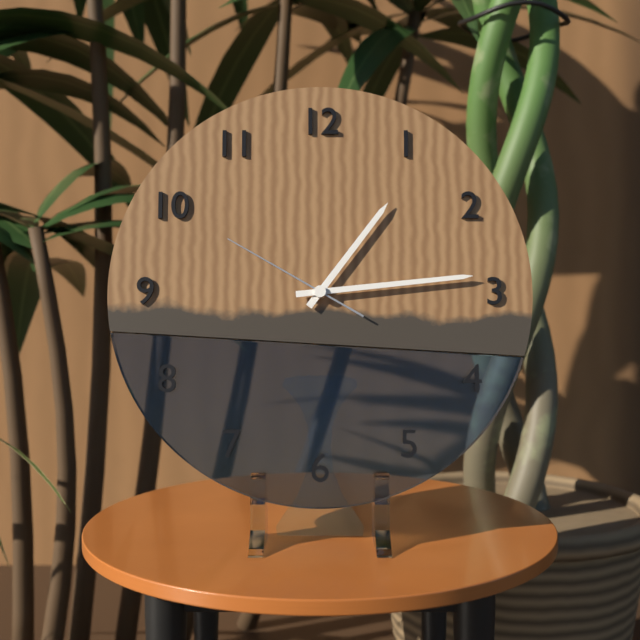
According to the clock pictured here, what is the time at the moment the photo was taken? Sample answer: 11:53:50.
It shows 1:14:50
